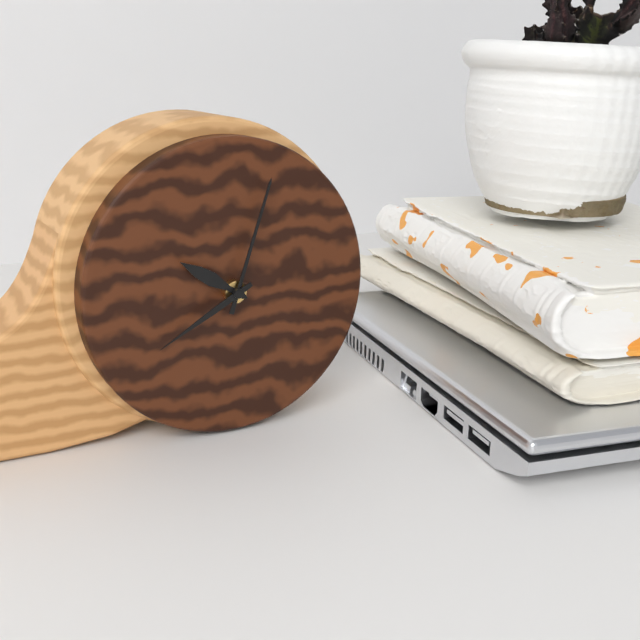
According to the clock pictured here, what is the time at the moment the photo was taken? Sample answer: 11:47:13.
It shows 10:03:40
